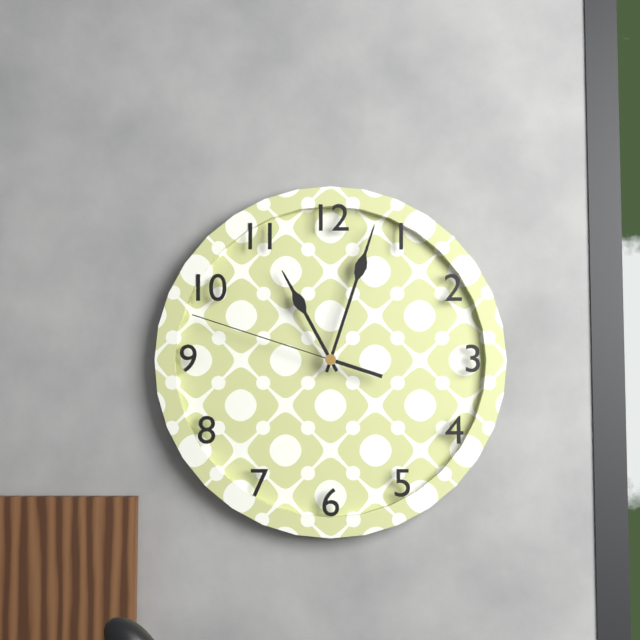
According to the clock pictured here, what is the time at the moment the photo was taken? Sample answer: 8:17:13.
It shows 11:03:48
